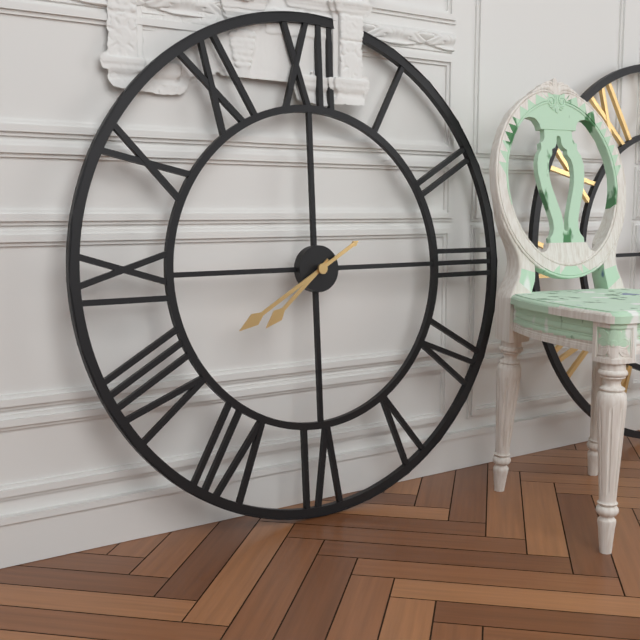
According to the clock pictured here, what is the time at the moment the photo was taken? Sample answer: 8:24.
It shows 7:40
